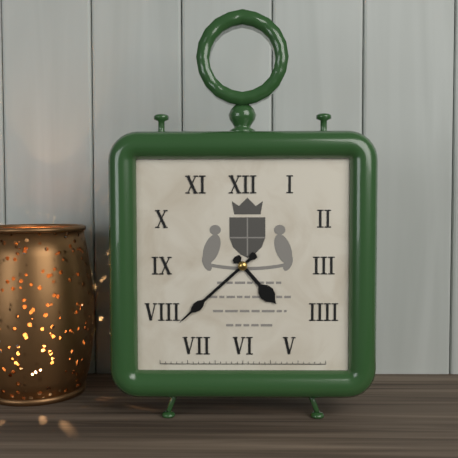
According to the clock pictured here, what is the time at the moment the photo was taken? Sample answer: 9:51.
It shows 4:38
